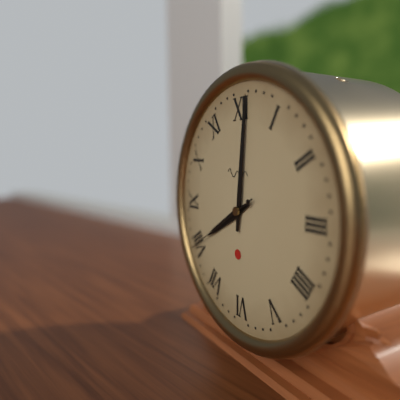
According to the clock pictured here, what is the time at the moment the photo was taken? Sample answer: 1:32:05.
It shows 8:01:40
